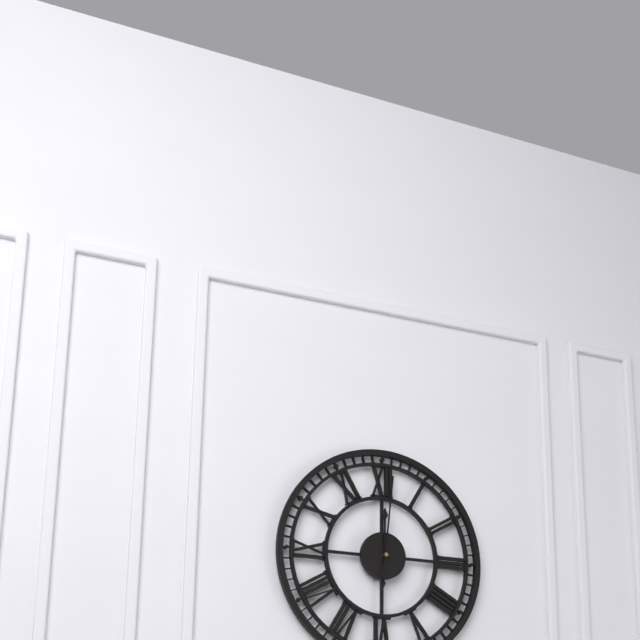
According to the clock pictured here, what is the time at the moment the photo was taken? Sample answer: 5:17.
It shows 12:01
